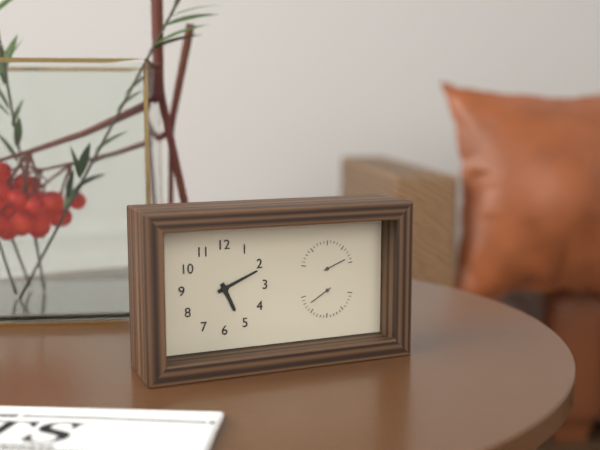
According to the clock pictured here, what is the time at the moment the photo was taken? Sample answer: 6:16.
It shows 5:11
